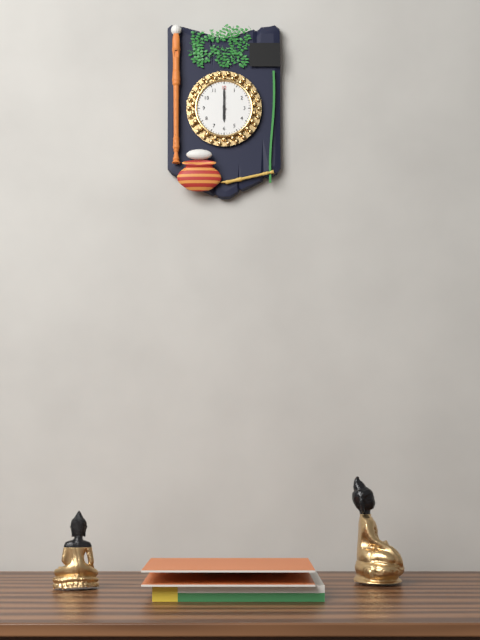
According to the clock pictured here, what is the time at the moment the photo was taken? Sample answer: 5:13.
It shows 6:00
